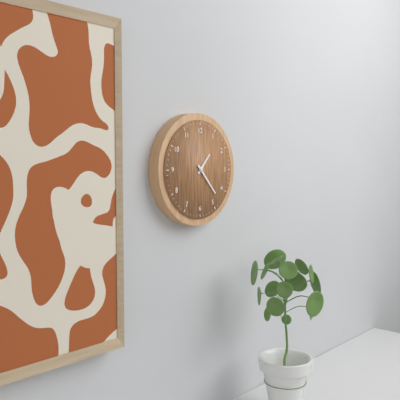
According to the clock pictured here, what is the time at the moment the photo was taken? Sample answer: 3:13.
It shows 1:23
